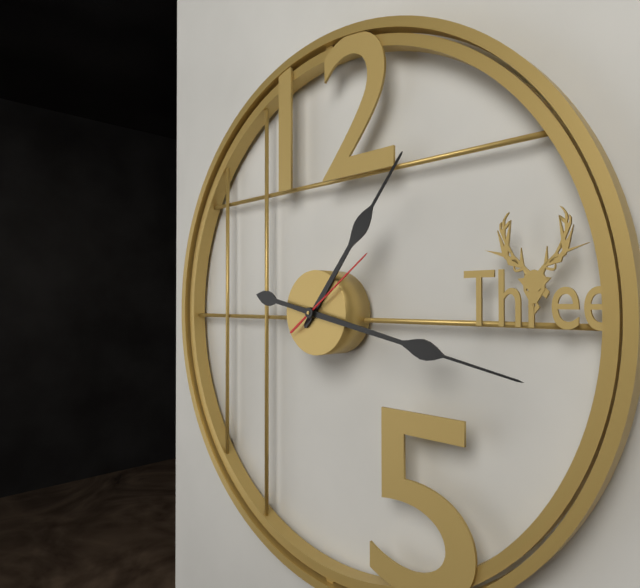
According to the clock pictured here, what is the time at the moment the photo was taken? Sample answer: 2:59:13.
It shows 1:17:09
